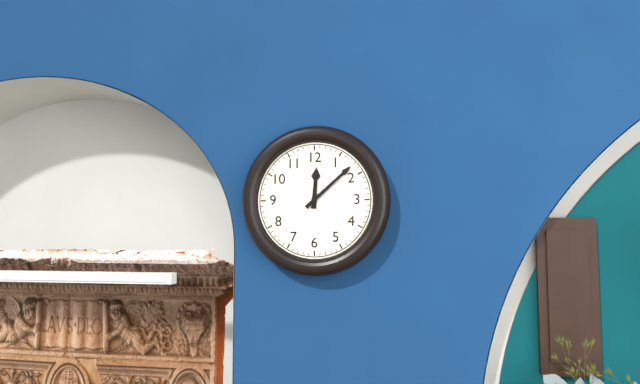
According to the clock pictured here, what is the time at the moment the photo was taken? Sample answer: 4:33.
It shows 12:08
